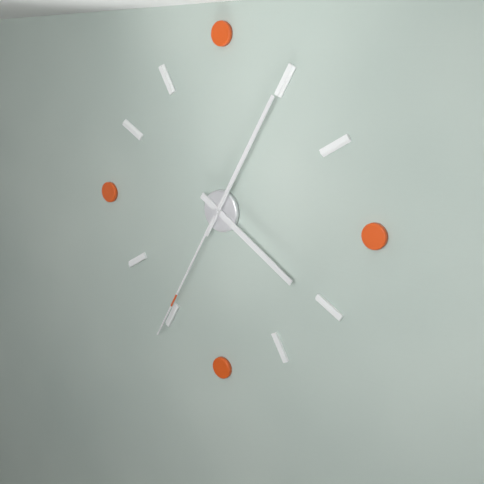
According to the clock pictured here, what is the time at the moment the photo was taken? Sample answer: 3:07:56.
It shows 4:05:35
